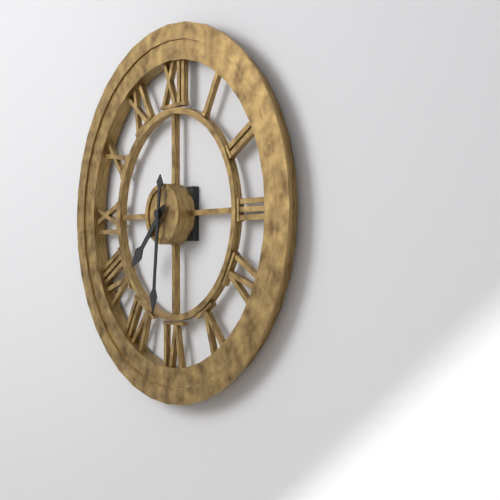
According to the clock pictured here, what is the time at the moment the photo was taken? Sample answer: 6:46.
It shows 7:31
